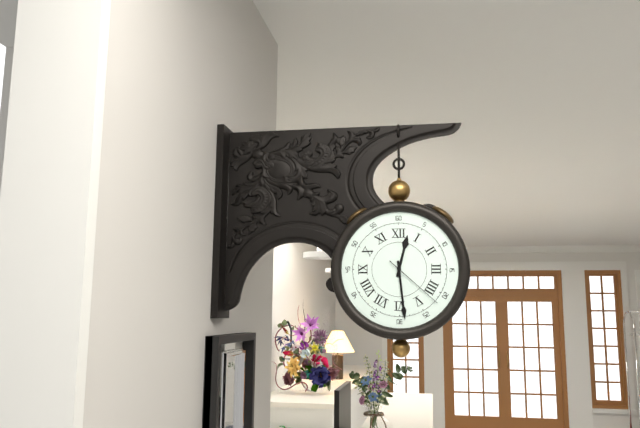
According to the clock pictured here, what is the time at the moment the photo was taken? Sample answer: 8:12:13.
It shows 12:29:22
